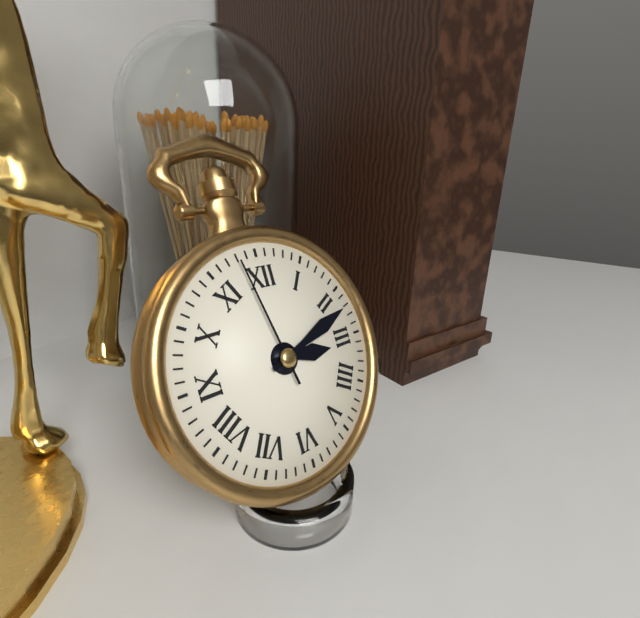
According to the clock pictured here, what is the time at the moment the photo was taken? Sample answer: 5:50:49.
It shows 3:12:58
